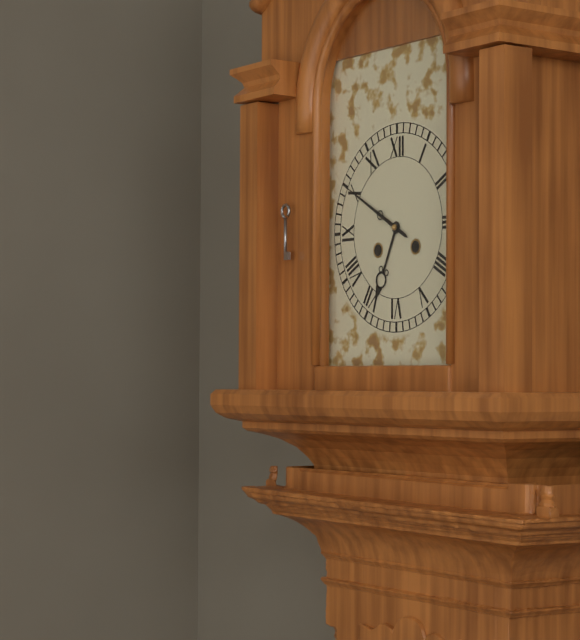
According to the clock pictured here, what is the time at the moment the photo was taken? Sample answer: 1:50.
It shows 6:50
